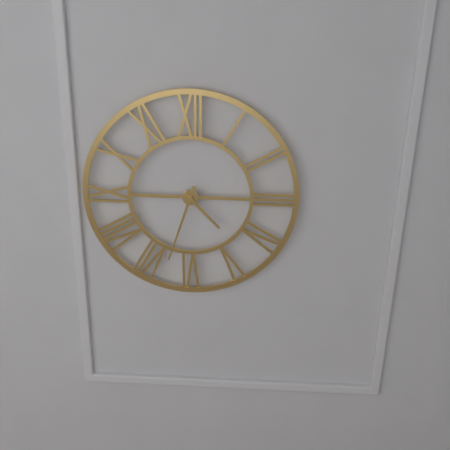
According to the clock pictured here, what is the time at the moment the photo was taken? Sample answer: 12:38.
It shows 4:33
